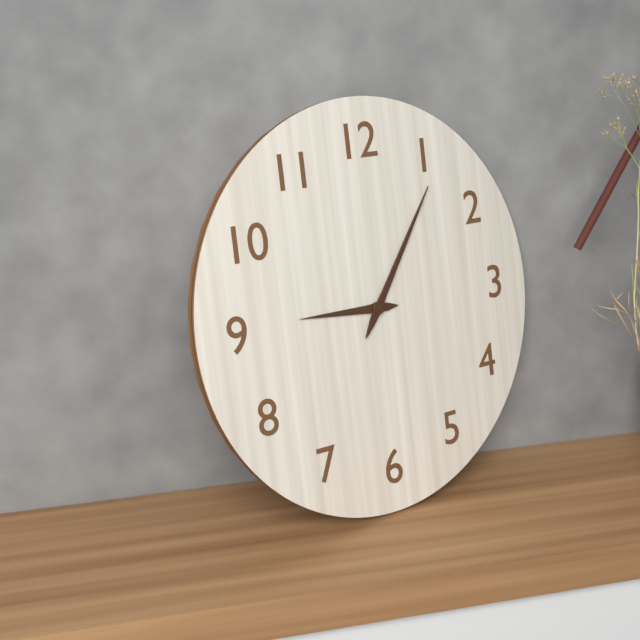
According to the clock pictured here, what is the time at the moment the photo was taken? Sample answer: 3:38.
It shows 9:06
